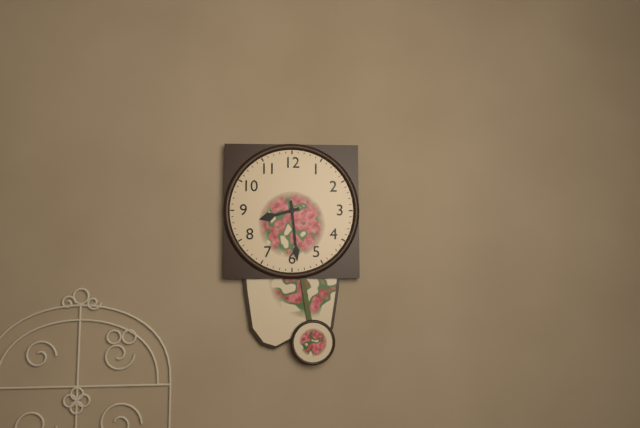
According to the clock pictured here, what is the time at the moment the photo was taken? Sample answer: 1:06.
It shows 8:29
